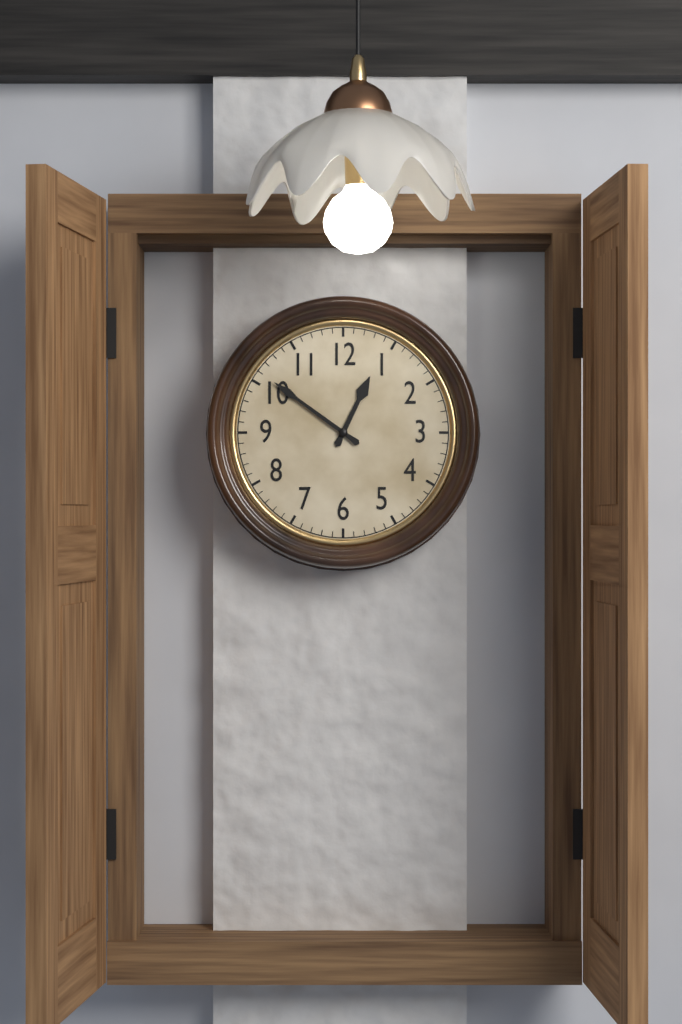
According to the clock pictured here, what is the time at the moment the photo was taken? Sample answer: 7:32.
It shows 12:51
